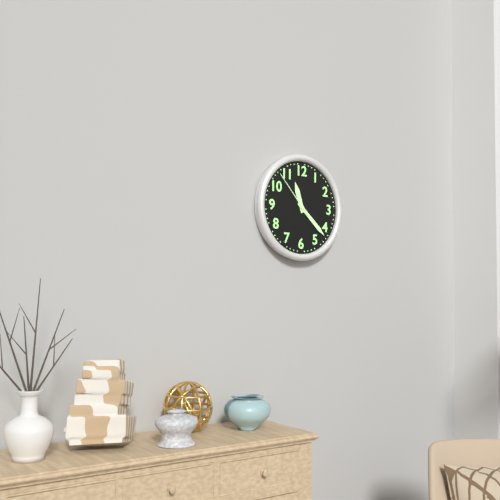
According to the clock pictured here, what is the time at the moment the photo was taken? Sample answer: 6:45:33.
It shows 11:22:53
